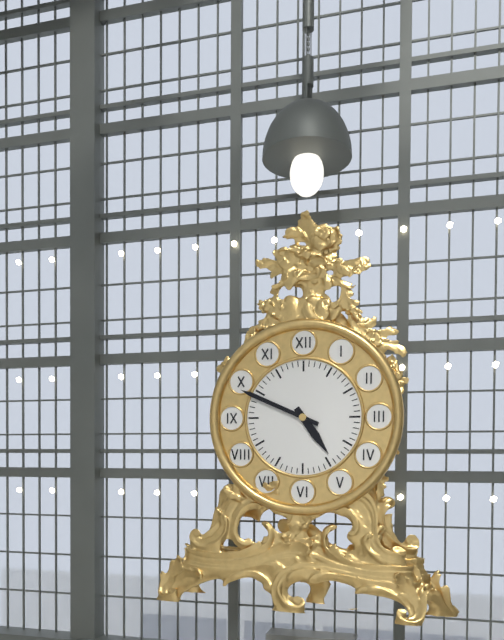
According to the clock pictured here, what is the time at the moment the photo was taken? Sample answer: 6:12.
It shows 4:49
